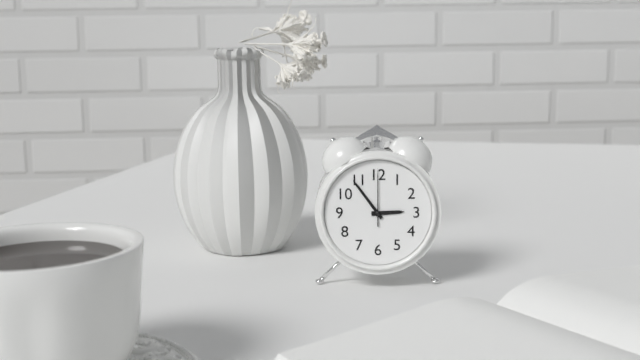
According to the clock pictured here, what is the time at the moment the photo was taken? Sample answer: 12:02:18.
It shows 2:54:00
